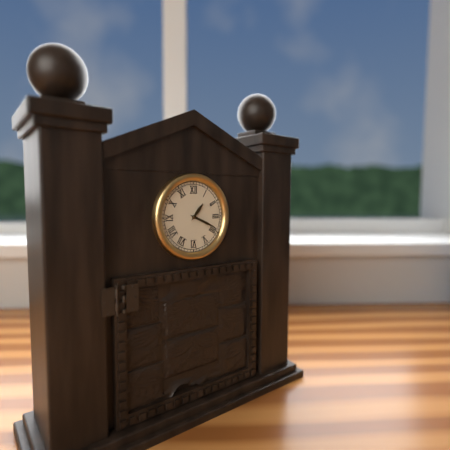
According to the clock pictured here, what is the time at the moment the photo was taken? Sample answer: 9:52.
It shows 1:19
